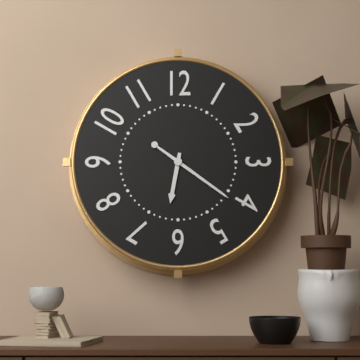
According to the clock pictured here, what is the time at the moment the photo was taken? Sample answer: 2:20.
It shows 6:21
